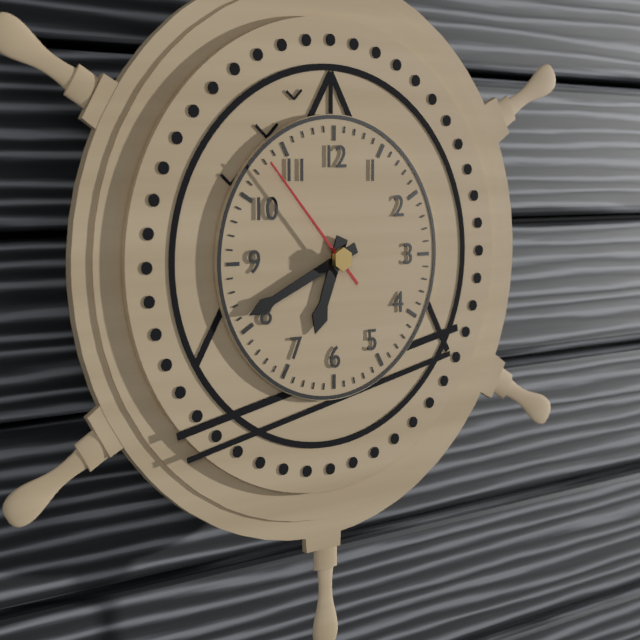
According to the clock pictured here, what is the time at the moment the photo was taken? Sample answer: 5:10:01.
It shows 6:41:53
